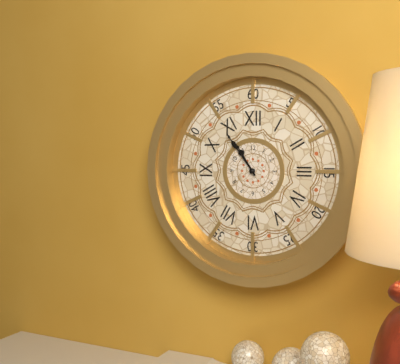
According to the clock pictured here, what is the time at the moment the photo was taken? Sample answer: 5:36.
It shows 10:54
